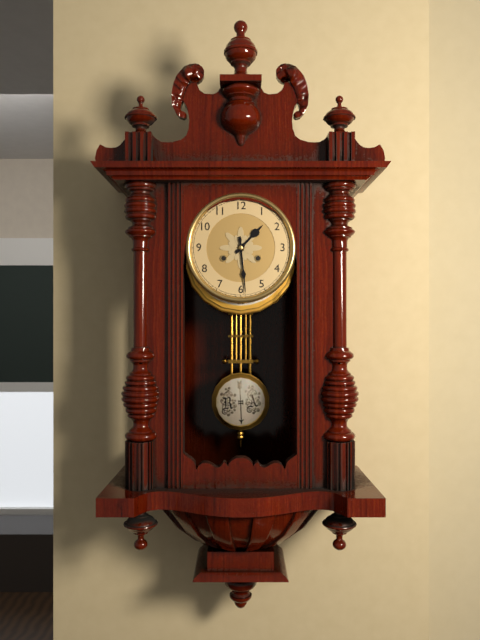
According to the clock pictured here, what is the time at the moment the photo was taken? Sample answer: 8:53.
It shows 1:29
